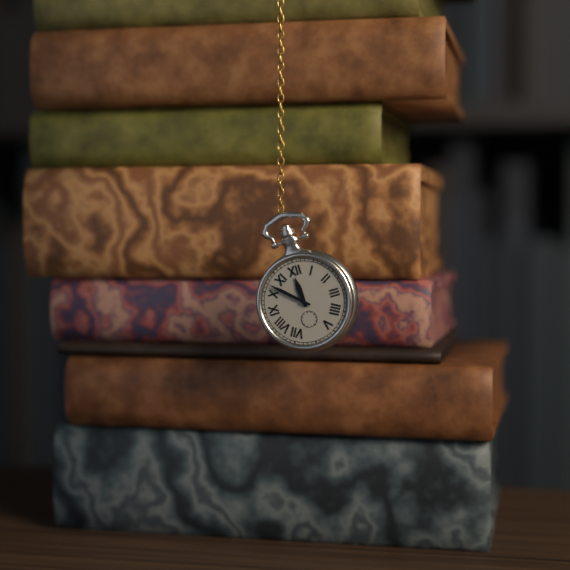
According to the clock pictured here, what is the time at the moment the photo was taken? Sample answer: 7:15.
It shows 11:52
